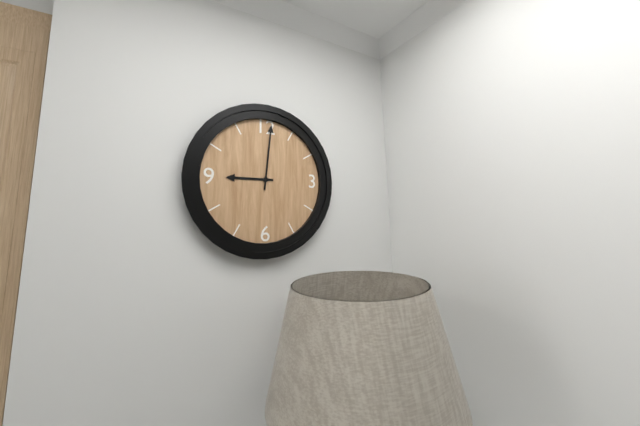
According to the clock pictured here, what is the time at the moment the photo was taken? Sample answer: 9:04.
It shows 9:01
